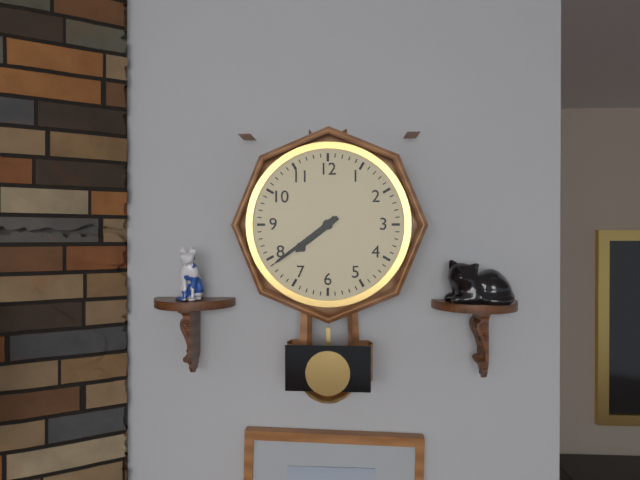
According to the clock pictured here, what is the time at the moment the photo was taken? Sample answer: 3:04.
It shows 7:39
